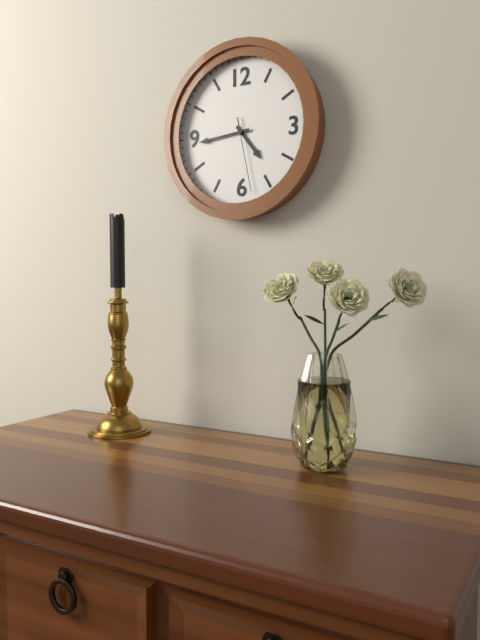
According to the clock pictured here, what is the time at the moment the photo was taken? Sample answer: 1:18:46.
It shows 4:44:28
